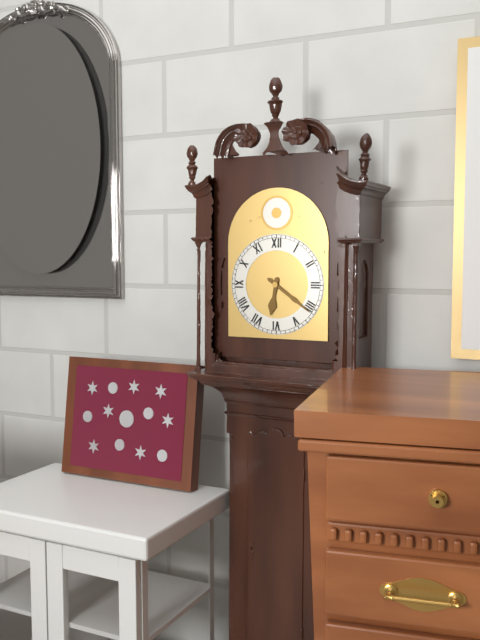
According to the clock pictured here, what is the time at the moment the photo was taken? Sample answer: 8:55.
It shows 6:21
